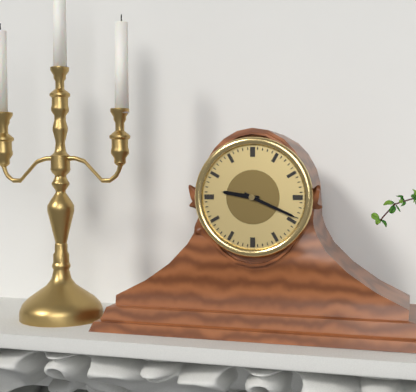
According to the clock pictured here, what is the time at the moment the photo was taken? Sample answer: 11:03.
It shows 9:19
